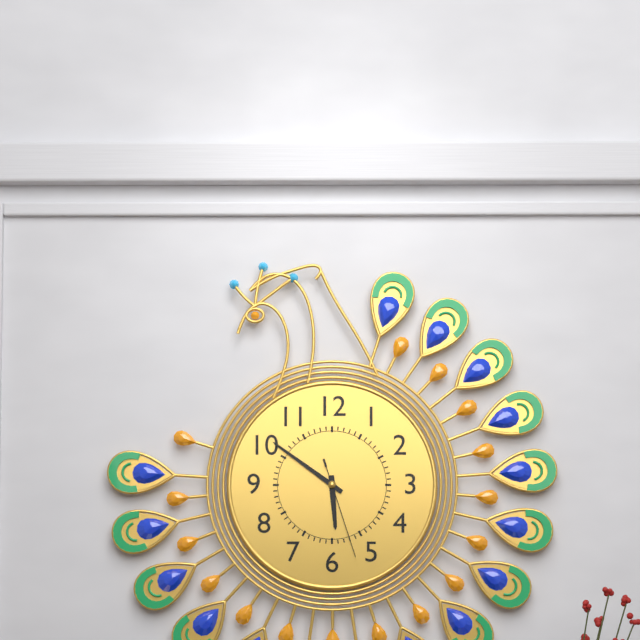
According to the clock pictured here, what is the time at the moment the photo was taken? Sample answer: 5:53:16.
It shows 5:51:27
